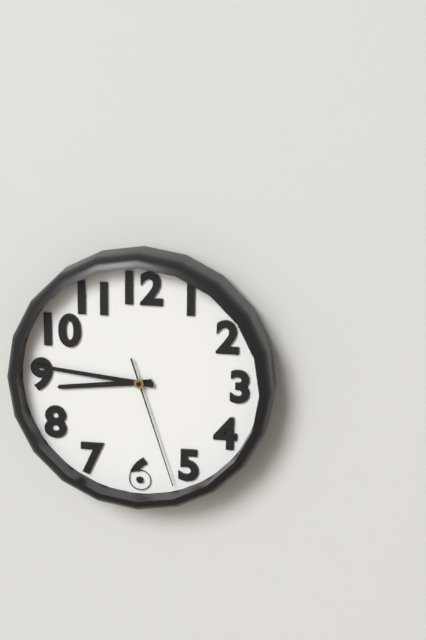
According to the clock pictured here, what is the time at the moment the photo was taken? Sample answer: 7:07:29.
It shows 8:46:27
